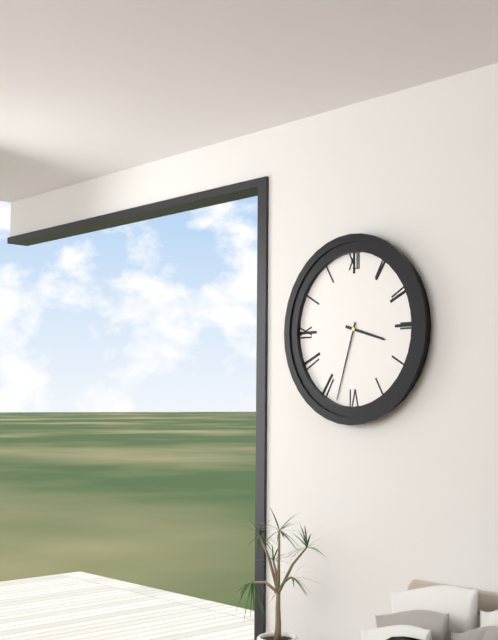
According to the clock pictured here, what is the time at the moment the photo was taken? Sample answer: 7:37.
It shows 3:33
